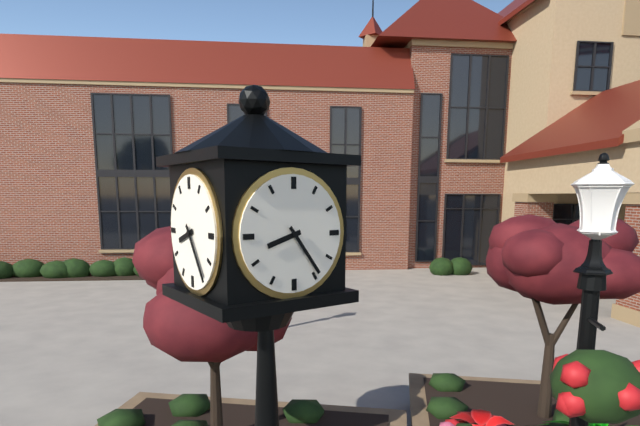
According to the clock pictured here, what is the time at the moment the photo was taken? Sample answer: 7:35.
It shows 8:24
